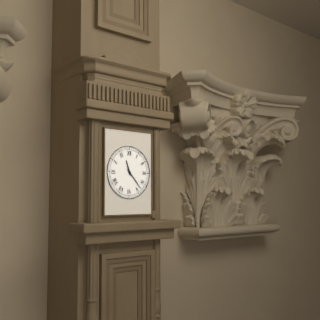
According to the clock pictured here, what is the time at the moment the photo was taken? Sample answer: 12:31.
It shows 11:23
